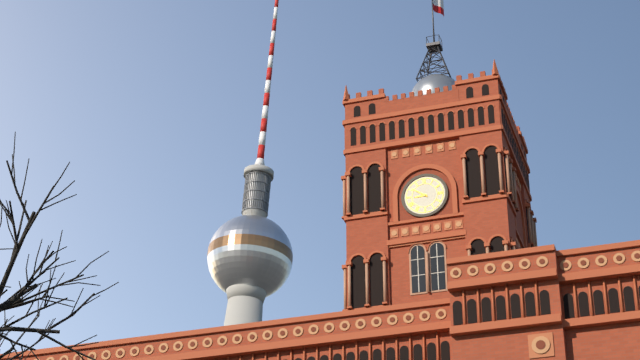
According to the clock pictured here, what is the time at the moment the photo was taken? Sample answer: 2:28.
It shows 8:51
